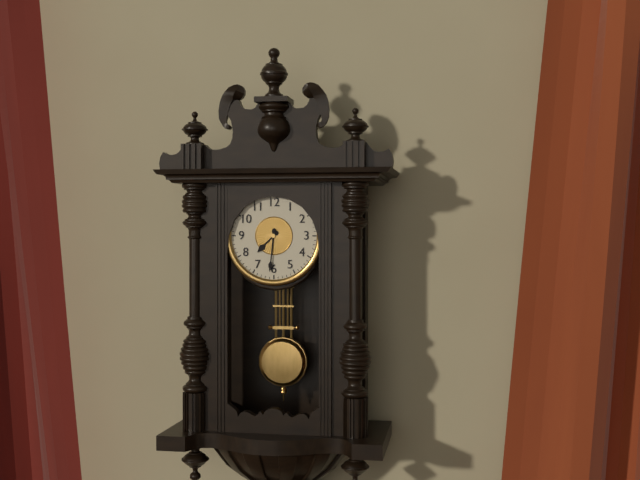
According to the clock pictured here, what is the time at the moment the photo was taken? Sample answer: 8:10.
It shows 7:31
